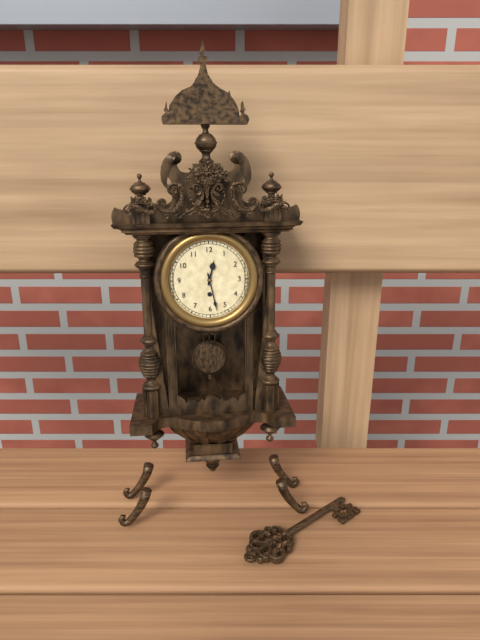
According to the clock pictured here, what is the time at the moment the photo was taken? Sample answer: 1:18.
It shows 12:28
